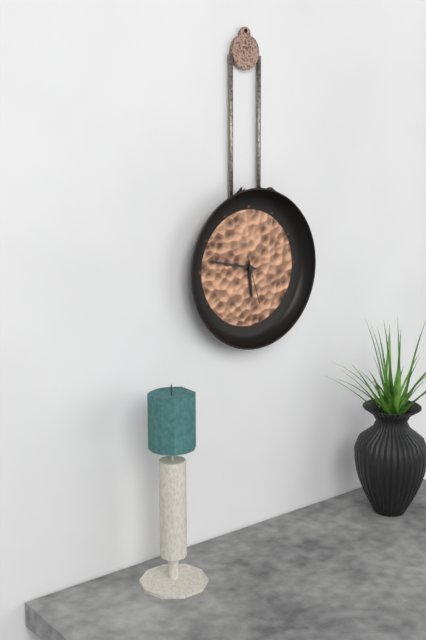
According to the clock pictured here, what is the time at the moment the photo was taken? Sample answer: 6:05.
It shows 5:47
